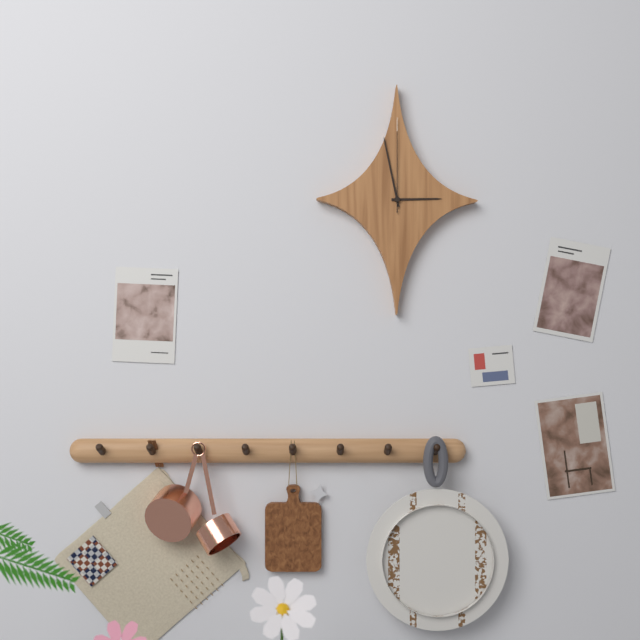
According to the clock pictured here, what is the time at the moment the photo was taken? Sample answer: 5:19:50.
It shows 2:58:00
